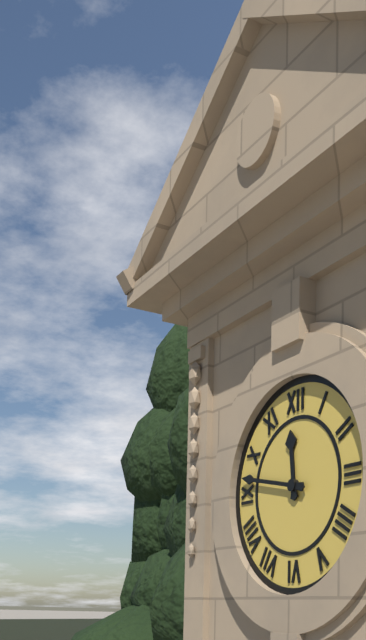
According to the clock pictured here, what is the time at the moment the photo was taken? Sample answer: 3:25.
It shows 11:47
